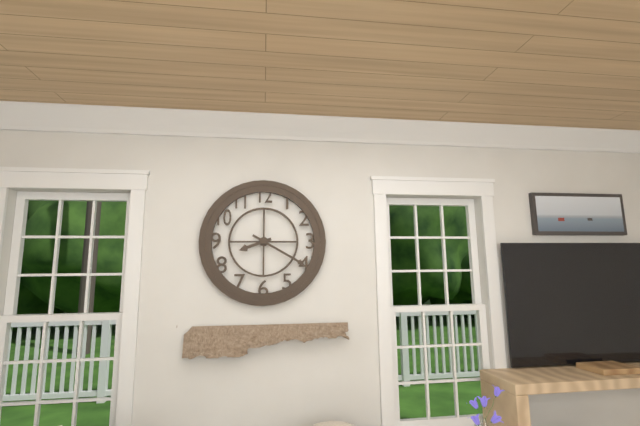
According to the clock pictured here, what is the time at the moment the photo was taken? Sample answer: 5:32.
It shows 8:20
